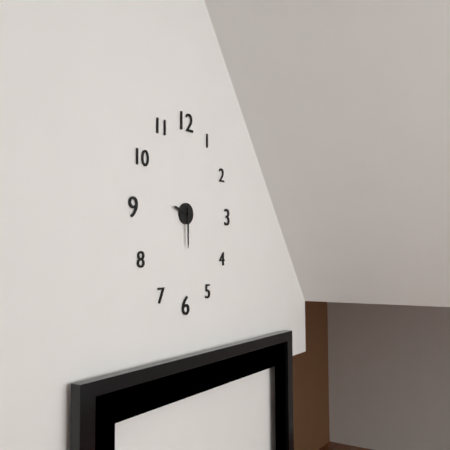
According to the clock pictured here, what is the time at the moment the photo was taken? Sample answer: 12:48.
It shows 9:30
